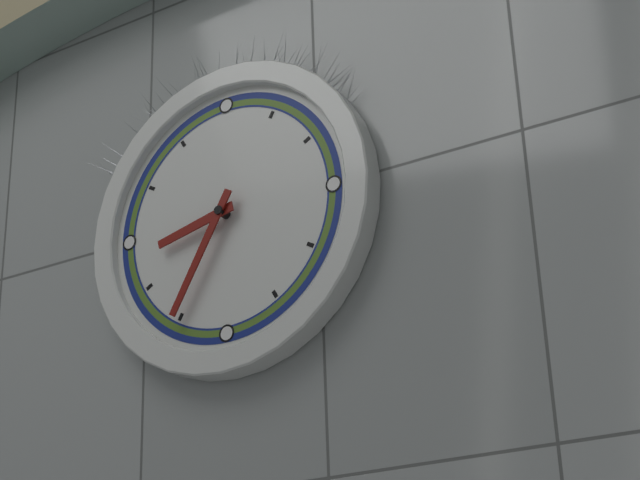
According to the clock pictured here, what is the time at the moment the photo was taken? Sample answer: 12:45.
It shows 8:35
